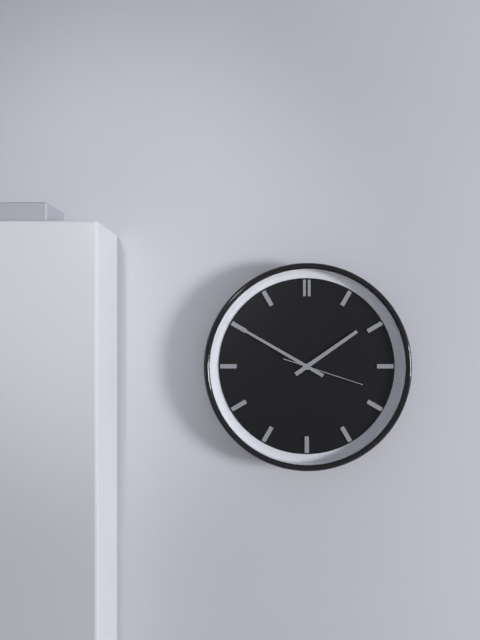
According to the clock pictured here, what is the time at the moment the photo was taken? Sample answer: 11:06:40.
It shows 1:50:18
